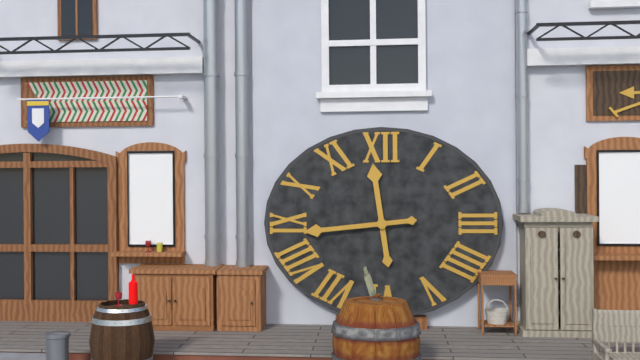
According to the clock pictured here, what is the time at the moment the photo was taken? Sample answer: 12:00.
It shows 11:44
